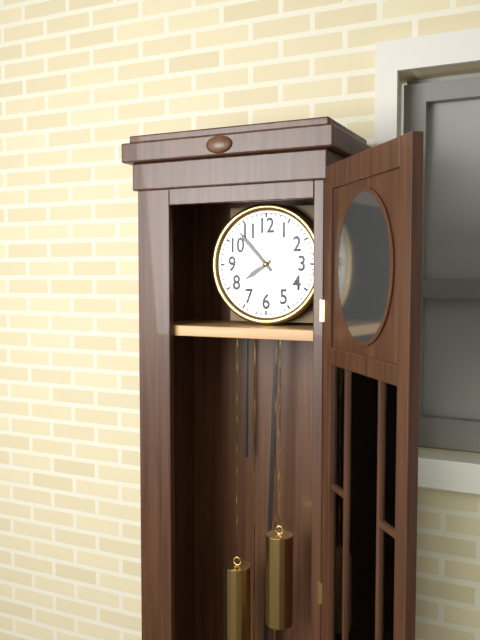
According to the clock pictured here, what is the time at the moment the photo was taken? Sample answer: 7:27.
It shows 7:53
